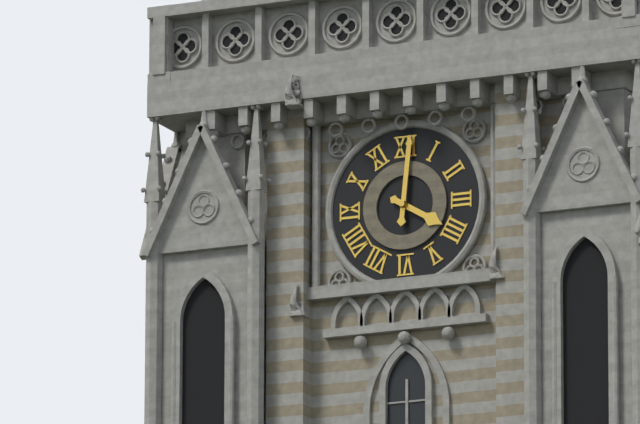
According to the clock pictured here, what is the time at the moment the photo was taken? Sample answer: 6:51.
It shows 4:01
